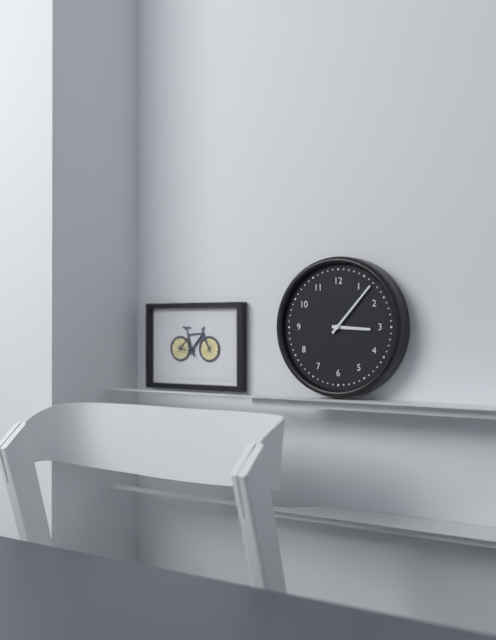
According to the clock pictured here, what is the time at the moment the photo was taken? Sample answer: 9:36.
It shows 3:07
